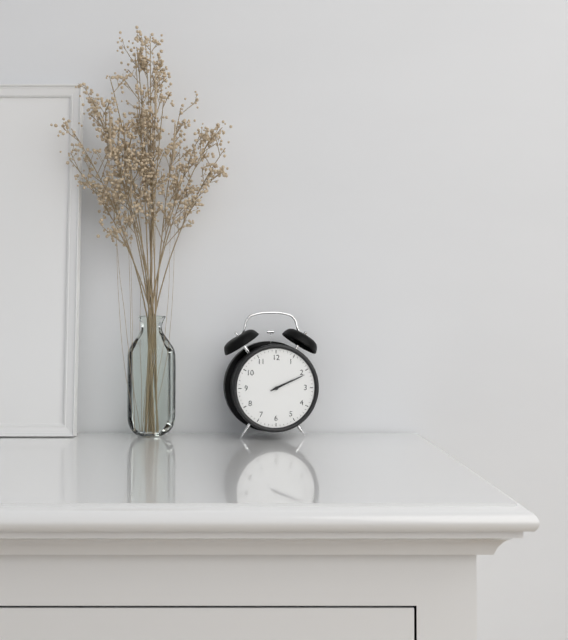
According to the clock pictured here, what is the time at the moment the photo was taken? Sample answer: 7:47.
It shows 2:11
